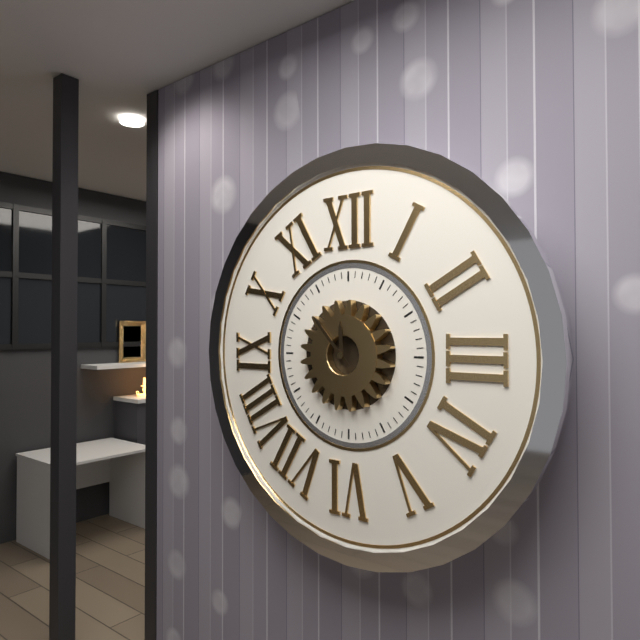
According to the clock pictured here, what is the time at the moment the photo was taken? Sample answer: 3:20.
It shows 11:53
